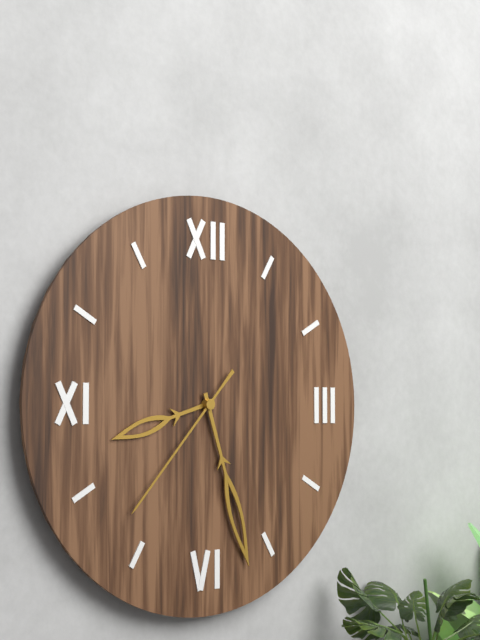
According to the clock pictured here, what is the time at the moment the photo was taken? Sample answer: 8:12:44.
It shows 8:27:37
